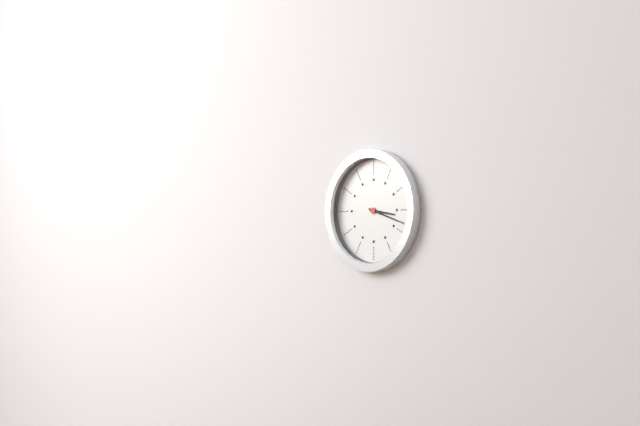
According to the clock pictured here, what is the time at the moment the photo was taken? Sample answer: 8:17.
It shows 3:18
